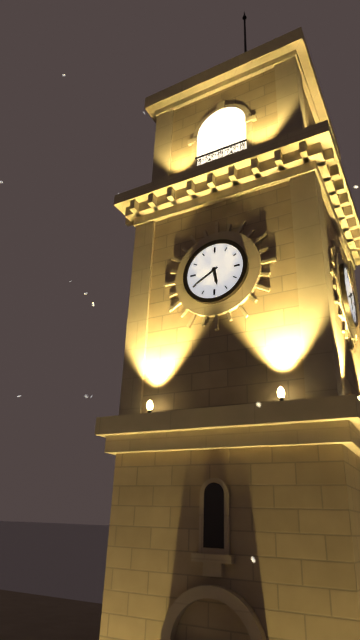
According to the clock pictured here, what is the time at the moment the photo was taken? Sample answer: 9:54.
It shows 5:40
